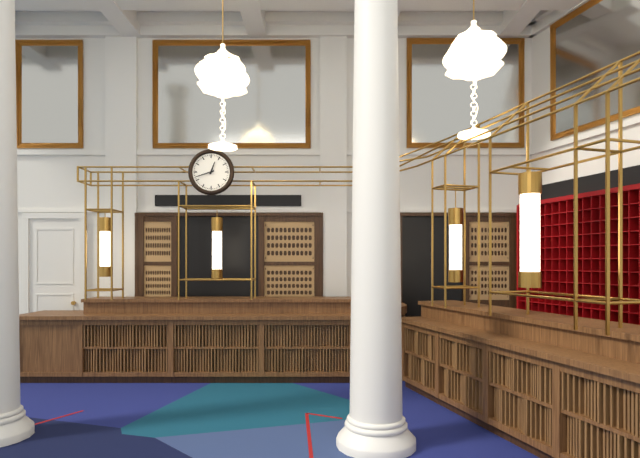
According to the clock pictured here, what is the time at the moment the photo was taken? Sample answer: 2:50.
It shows 12:42
